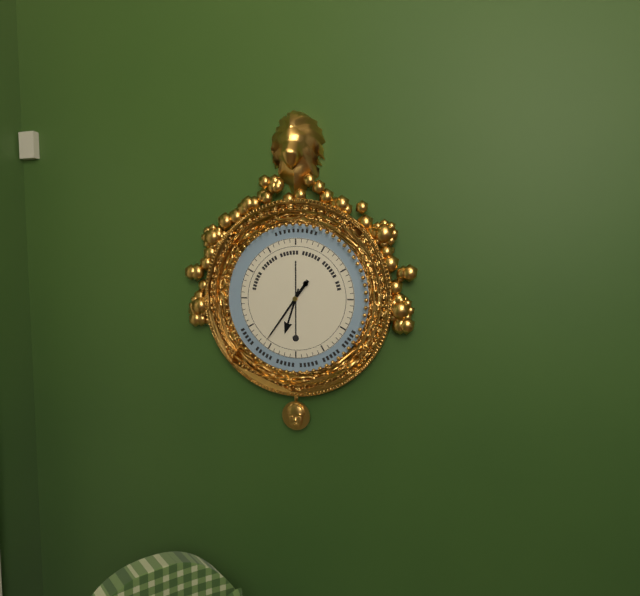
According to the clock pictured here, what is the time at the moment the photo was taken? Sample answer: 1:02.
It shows 6:36
